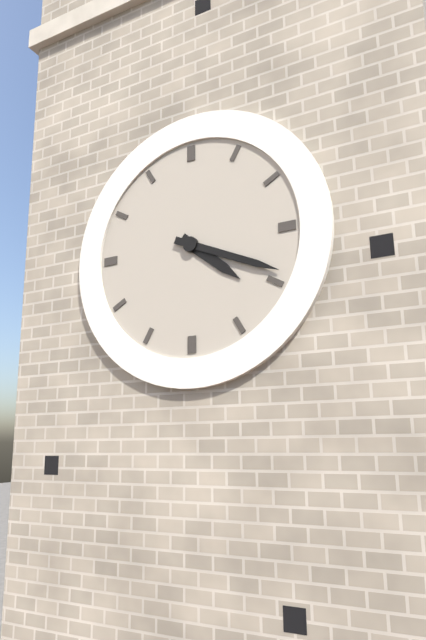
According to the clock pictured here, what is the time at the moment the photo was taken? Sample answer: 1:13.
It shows 4:19
